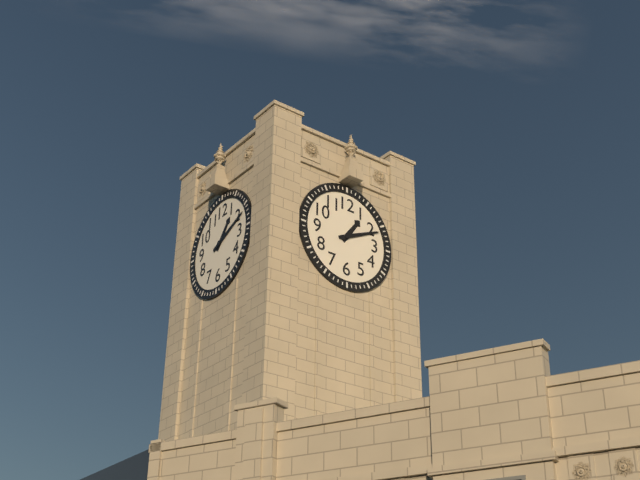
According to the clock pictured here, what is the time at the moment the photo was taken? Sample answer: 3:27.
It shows 1:11
